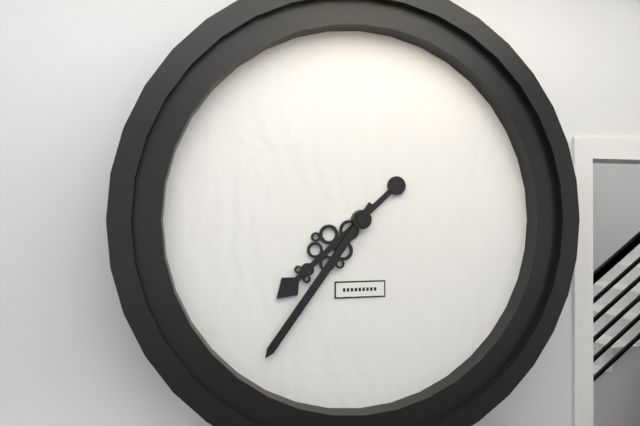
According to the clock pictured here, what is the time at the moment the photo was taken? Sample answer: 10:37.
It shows 7:36
